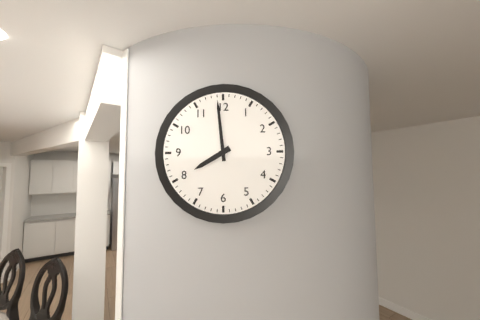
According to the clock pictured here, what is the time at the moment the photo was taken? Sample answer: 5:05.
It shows 7:59
